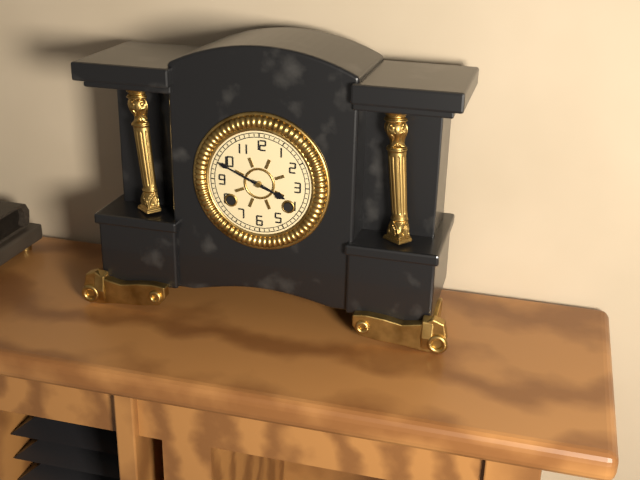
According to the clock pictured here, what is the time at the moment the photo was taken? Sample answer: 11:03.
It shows 3:49
